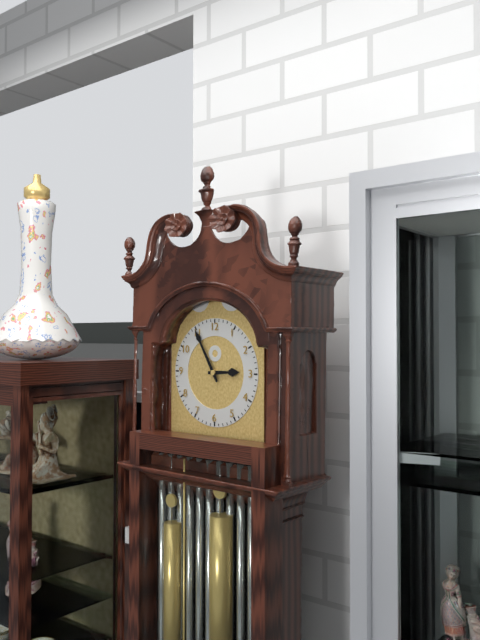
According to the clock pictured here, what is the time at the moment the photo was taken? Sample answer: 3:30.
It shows 2:55
